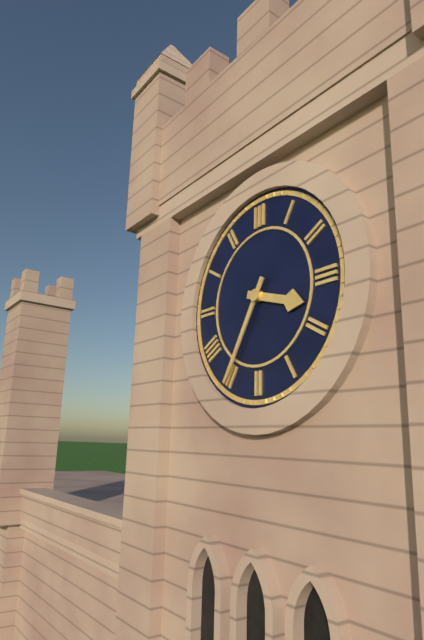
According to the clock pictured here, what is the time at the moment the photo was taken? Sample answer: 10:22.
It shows 3:35
